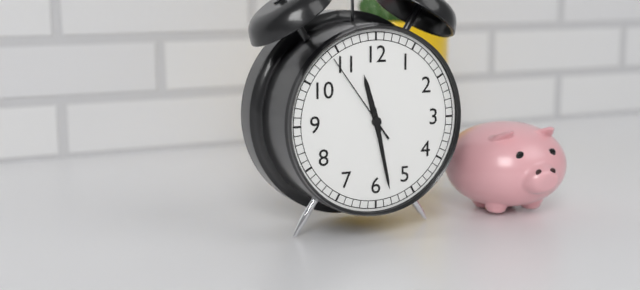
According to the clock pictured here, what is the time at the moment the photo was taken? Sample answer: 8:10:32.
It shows 11:28:54
